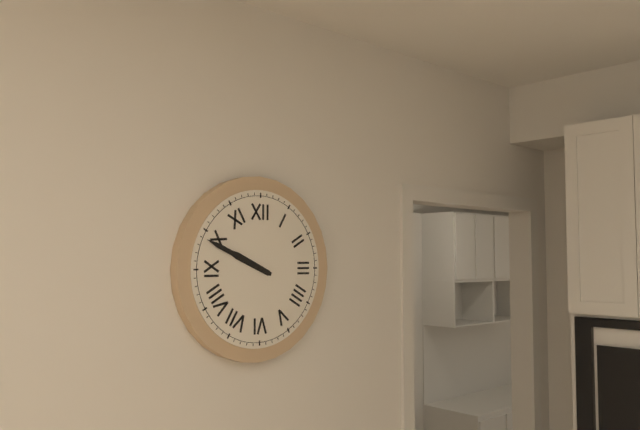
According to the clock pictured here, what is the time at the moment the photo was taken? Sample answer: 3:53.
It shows 9:49
